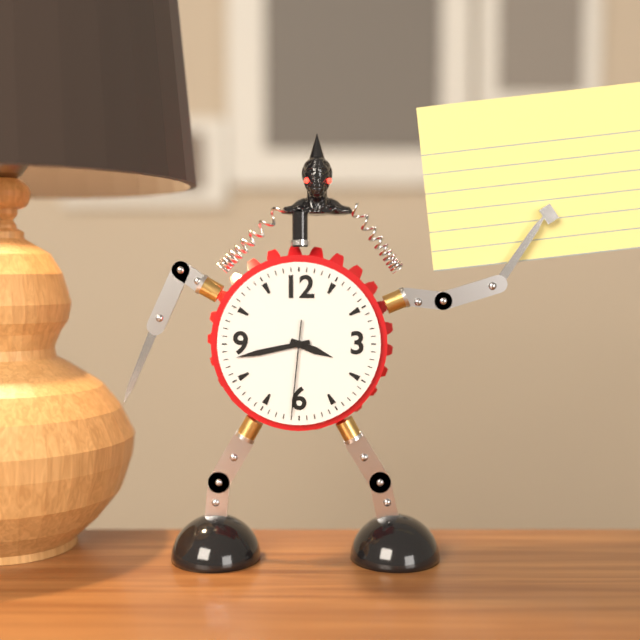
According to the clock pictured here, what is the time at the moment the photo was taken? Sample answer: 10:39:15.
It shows 3:43:31
